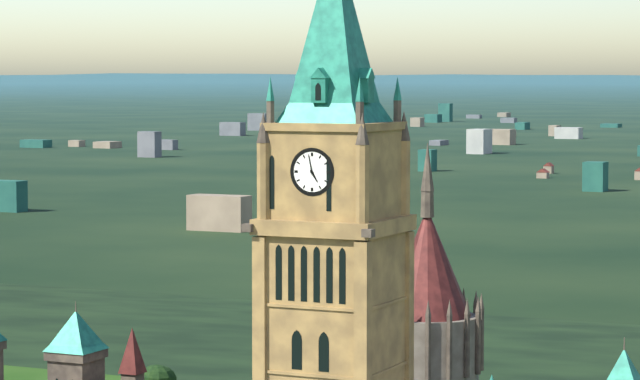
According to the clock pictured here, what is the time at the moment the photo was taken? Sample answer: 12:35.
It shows 4:58
